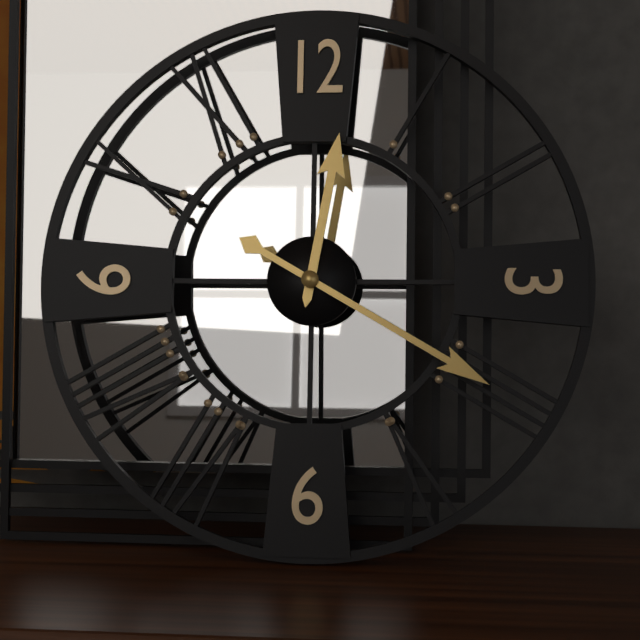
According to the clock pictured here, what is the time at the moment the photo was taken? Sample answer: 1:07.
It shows 12:20
